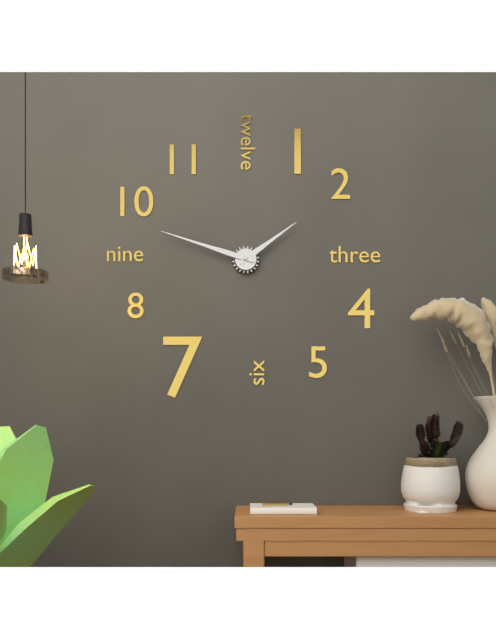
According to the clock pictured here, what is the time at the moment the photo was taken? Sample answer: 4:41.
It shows 1:48
